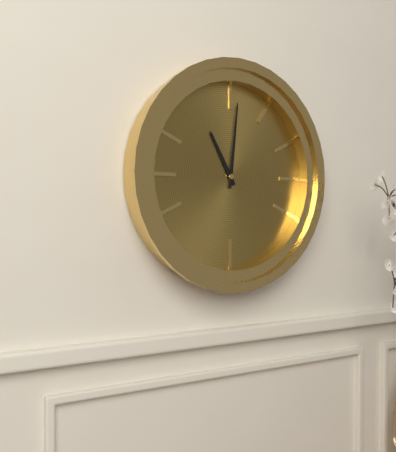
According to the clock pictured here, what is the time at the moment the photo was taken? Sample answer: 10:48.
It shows 11:01
